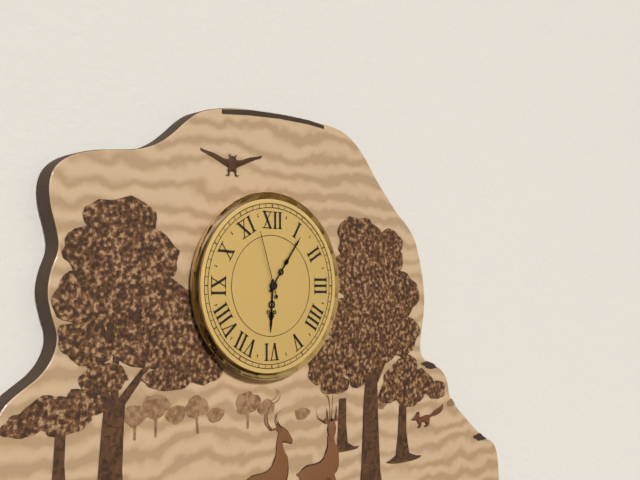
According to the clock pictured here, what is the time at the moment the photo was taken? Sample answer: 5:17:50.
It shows 6:06:57
